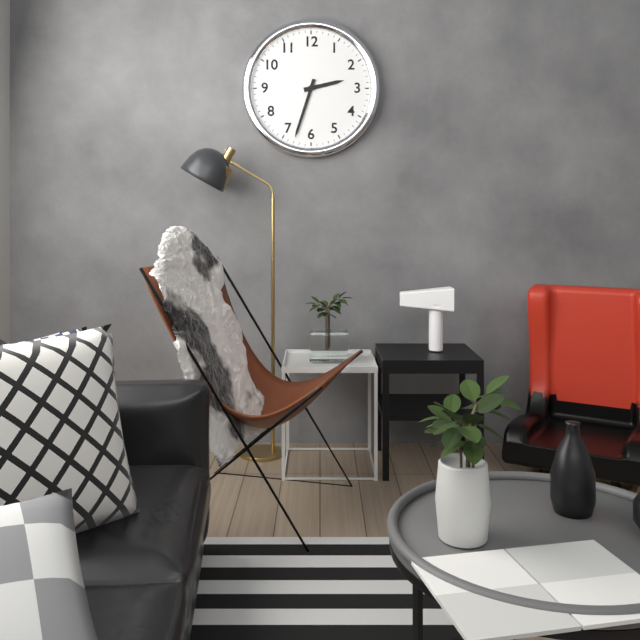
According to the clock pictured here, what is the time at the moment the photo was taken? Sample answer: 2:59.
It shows 2:33
